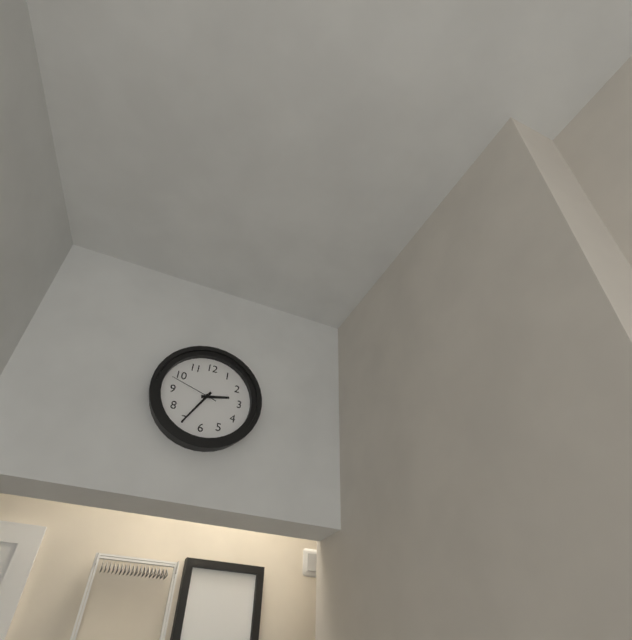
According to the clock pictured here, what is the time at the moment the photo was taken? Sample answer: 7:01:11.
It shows 2:35:48
